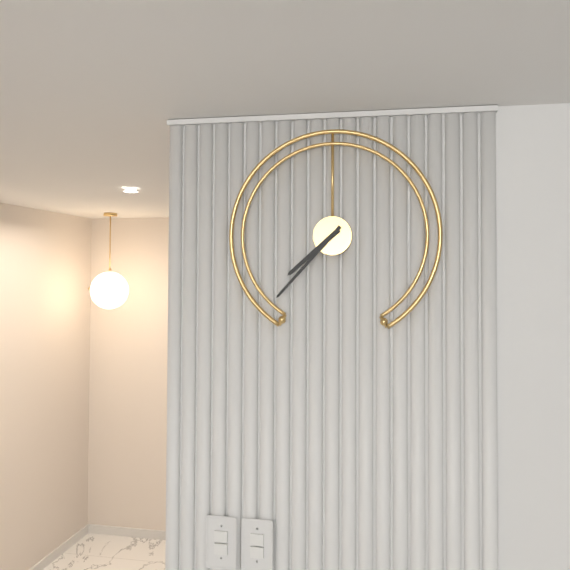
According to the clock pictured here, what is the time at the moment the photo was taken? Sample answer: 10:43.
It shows 7:37
